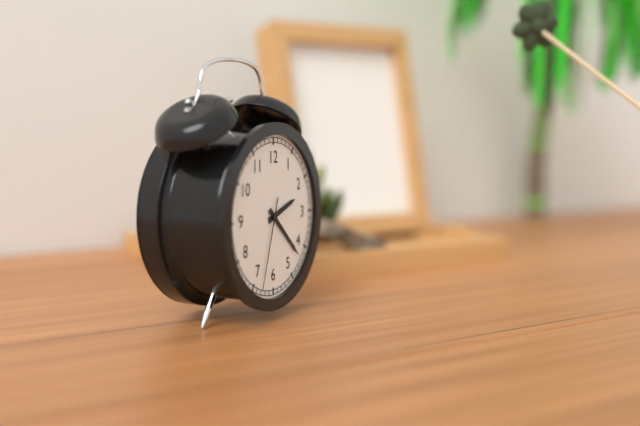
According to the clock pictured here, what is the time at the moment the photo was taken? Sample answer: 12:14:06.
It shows 2:22:33
